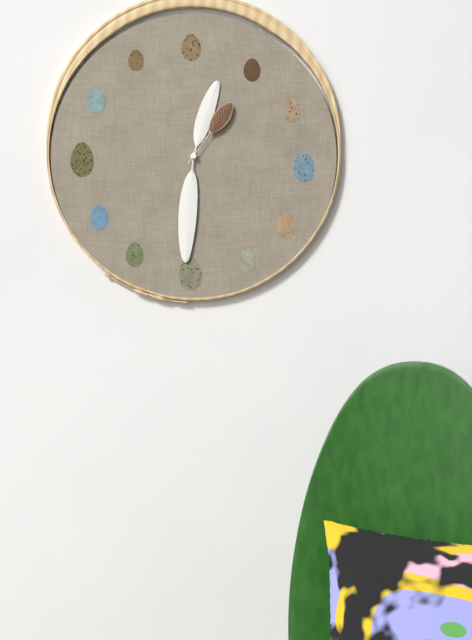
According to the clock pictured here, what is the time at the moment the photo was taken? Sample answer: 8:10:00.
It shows 12:31:06
